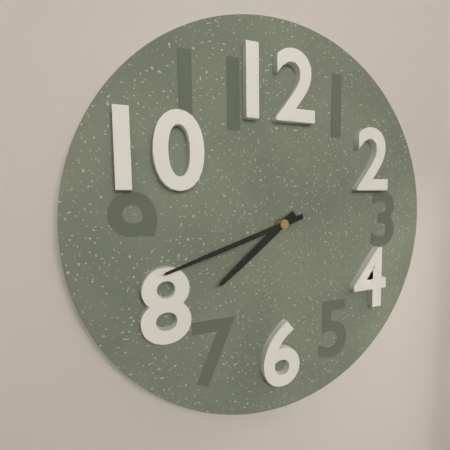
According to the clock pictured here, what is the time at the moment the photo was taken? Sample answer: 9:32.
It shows 7:42
